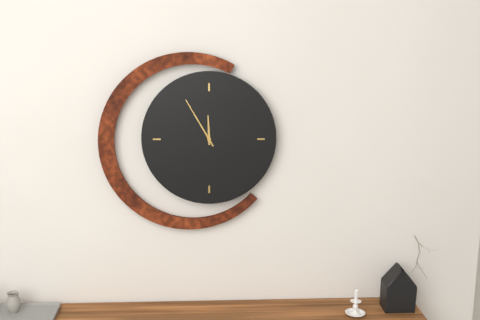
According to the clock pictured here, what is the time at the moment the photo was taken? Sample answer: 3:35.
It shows 11:55
